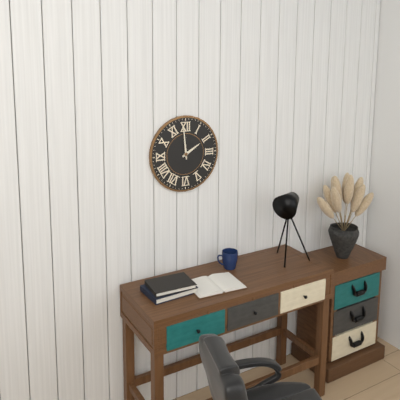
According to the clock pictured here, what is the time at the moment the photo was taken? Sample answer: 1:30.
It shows 1:59
